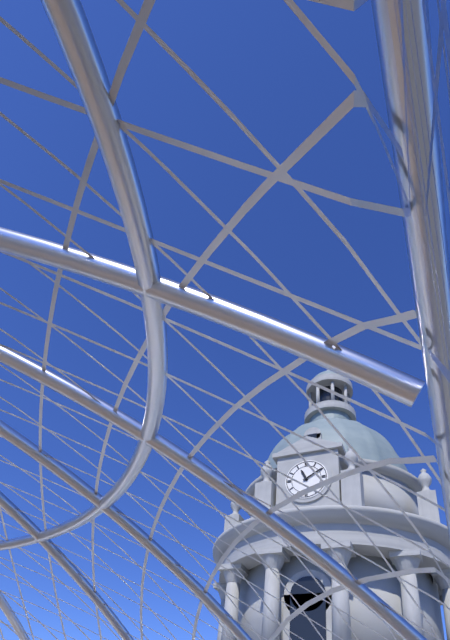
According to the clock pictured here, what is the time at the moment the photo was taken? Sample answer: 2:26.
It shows 11:10
